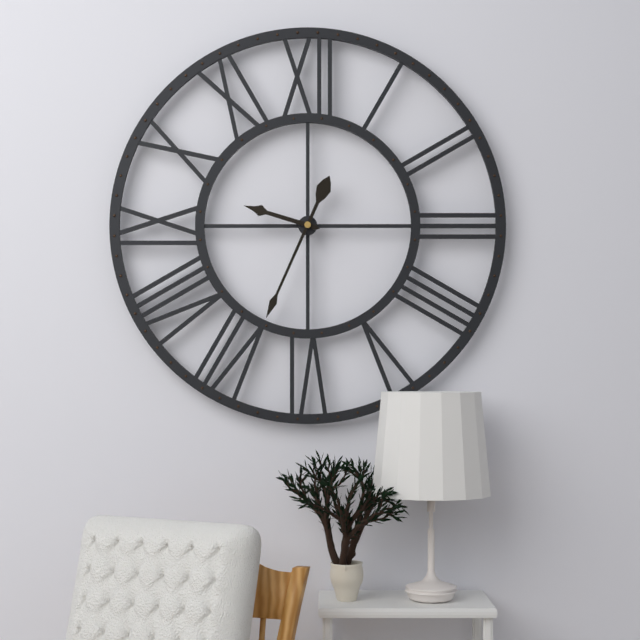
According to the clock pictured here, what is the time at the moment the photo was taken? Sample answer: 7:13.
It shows 9:34
